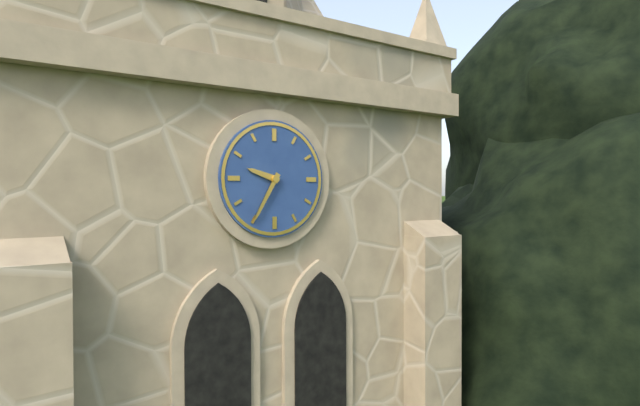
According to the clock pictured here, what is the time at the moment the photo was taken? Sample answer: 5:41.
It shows 9:35
